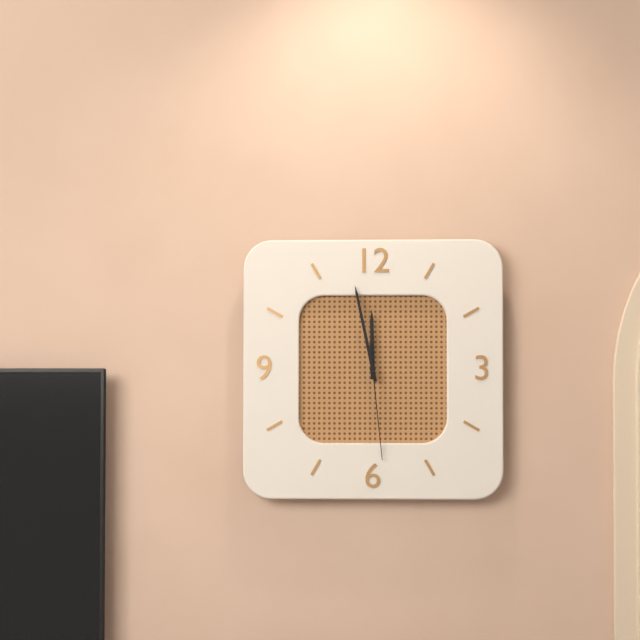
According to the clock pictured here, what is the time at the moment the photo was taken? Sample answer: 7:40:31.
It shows 11:58:29
